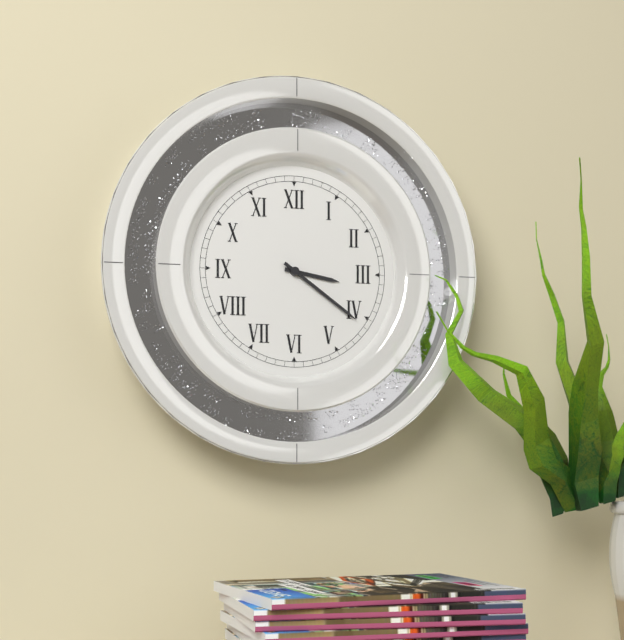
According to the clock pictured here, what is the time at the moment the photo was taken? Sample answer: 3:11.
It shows 3:21
